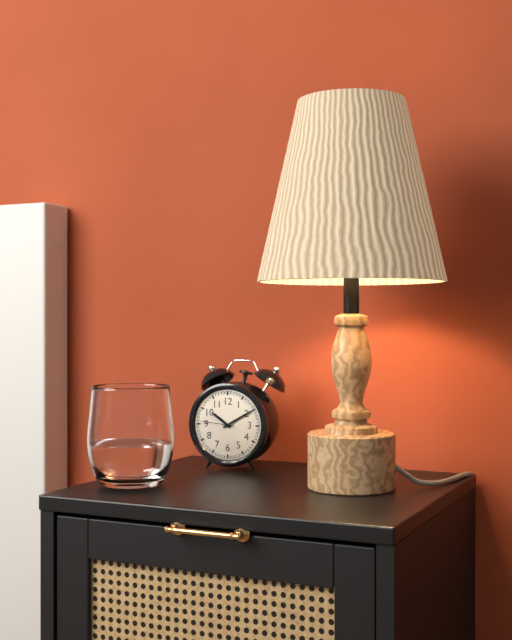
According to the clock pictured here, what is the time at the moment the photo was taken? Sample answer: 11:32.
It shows 10:10
